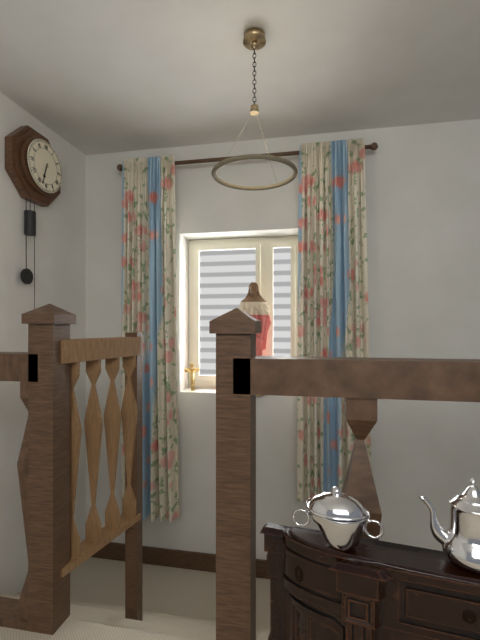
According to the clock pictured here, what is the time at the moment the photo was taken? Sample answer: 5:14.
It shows 6:33
